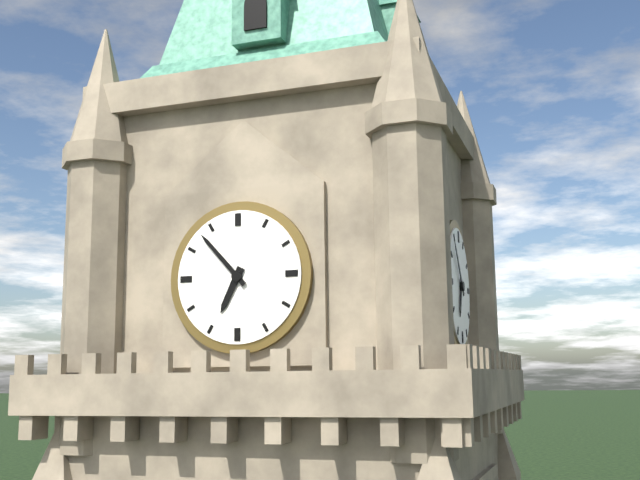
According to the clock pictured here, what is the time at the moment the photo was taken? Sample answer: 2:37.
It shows 6:53
